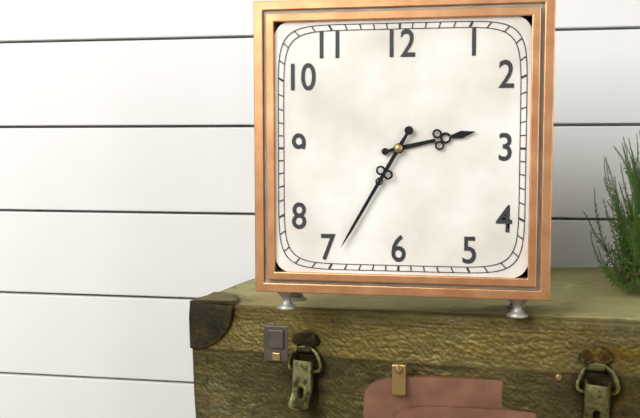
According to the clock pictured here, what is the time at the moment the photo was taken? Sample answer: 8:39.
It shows 2:35
